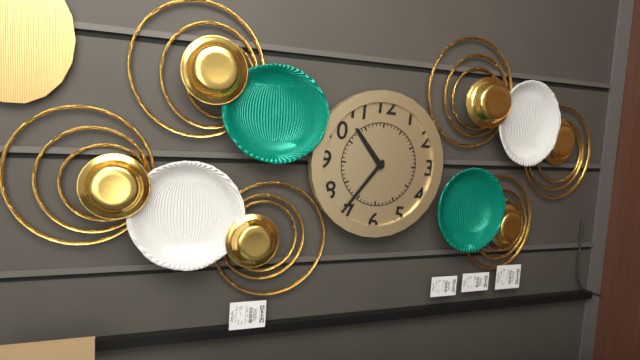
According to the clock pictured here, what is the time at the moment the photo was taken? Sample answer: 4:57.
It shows 10:36
